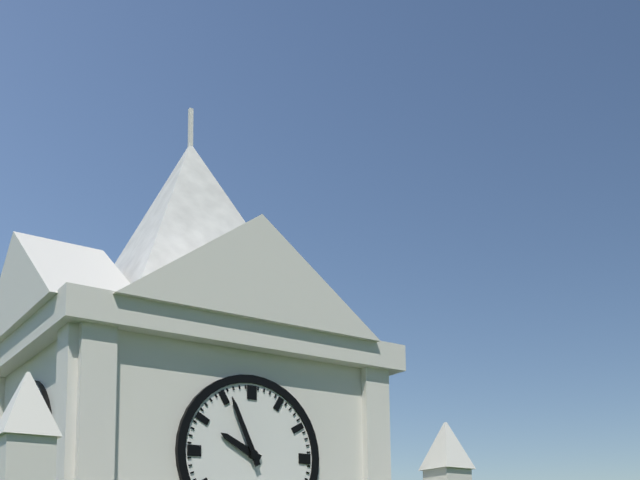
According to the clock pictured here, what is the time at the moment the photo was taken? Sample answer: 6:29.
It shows 9:56
